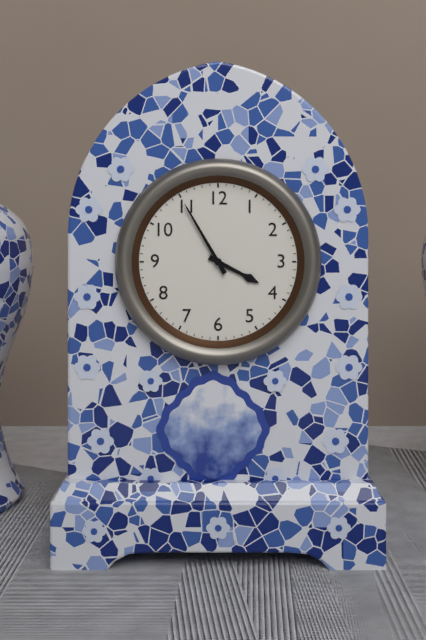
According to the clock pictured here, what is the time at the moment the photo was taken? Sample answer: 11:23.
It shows 3:55
